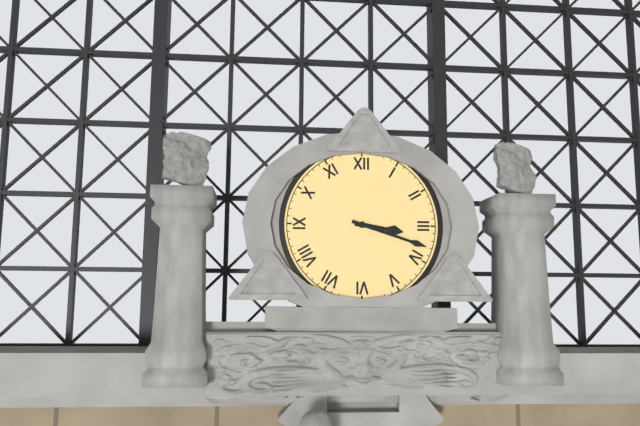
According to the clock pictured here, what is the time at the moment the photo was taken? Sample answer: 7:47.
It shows 3:18
